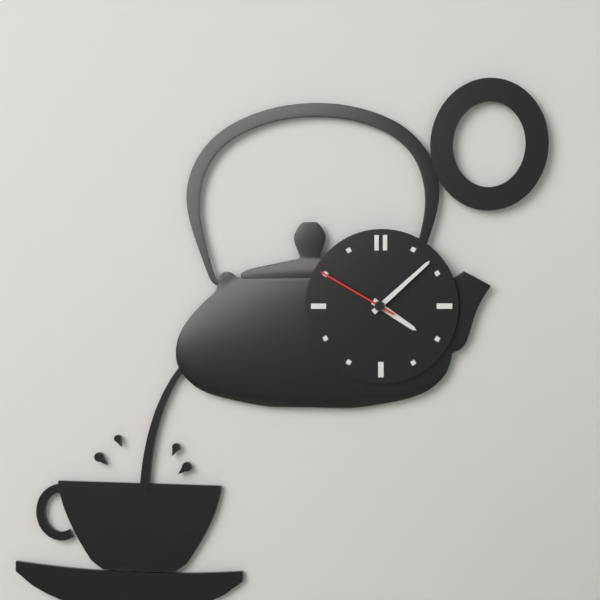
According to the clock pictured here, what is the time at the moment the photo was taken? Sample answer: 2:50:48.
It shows 4:08:50
